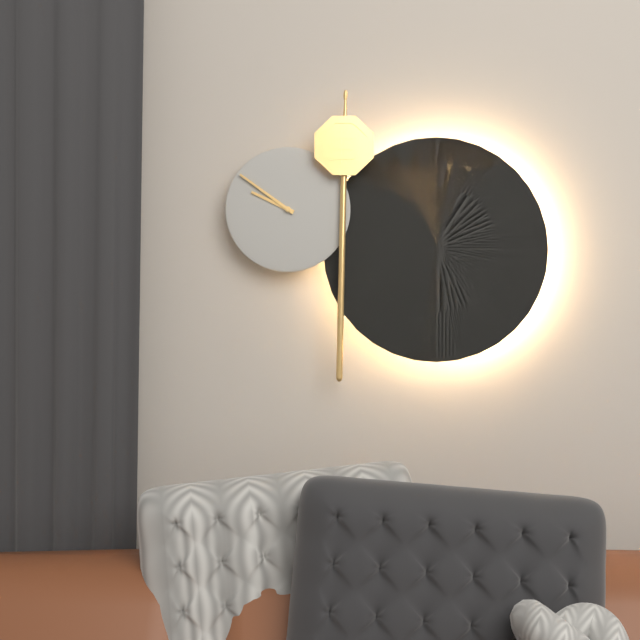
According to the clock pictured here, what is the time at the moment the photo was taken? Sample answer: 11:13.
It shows 9:51
